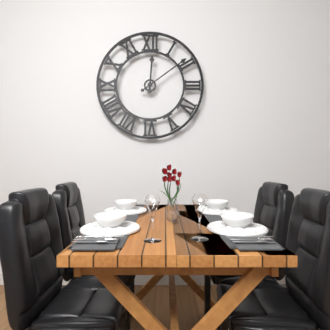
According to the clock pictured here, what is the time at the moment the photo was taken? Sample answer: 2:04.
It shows 12:09
